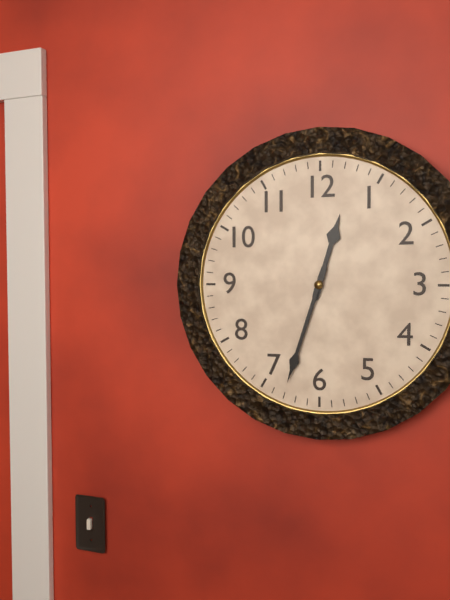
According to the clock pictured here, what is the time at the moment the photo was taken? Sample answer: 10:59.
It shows 12:33
